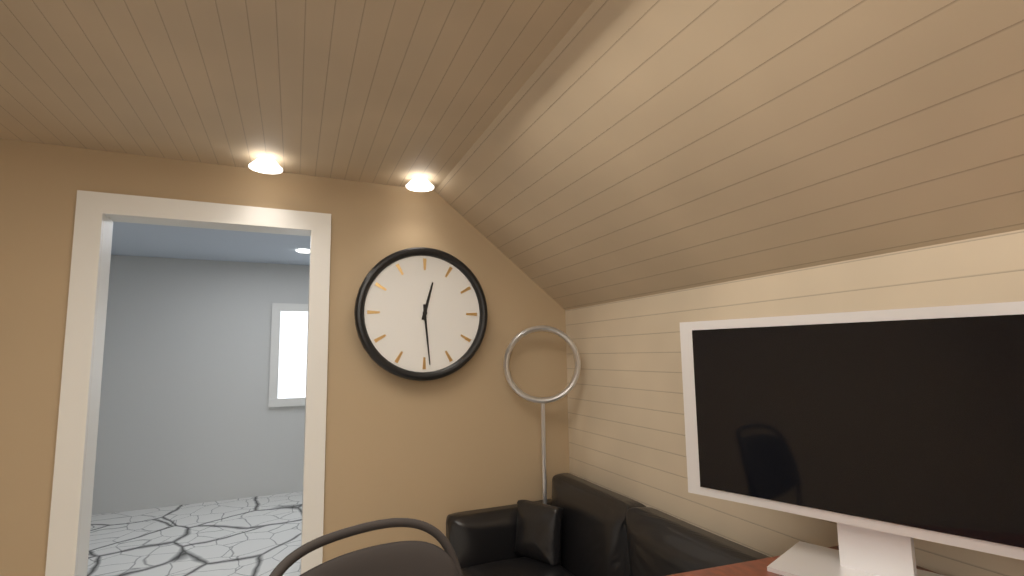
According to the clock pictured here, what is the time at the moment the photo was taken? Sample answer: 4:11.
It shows 12:29
